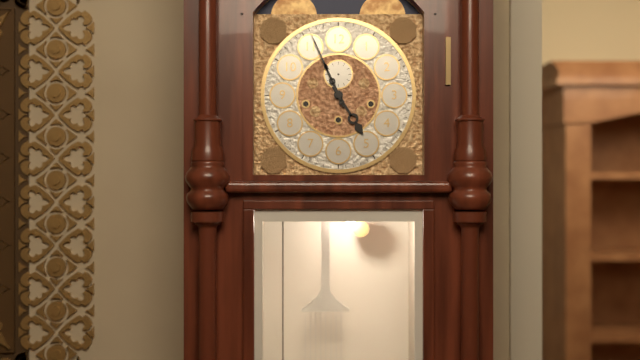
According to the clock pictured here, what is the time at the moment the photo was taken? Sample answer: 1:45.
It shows 4:56
